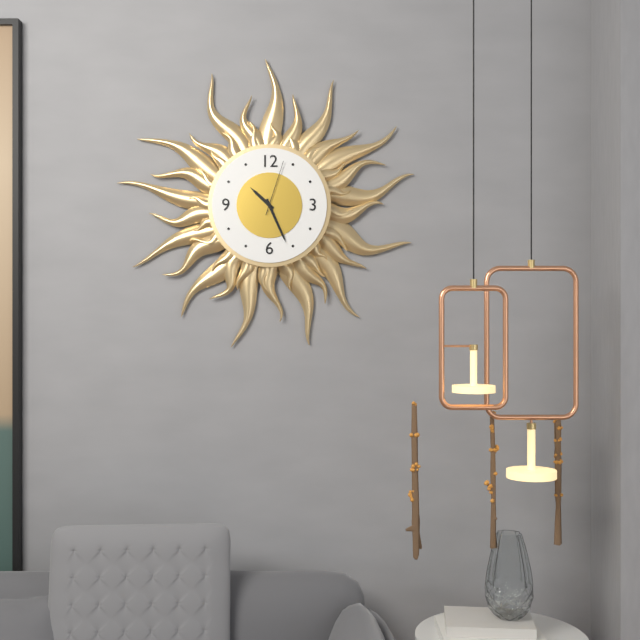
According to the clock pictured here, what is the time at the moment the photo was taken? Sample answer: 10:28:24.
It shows 10:26:03
